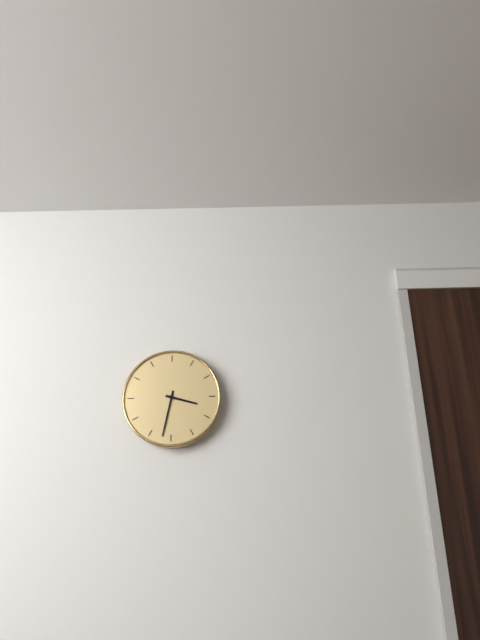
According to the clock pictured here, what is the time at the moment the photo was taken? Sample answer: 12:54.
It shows 3:32
